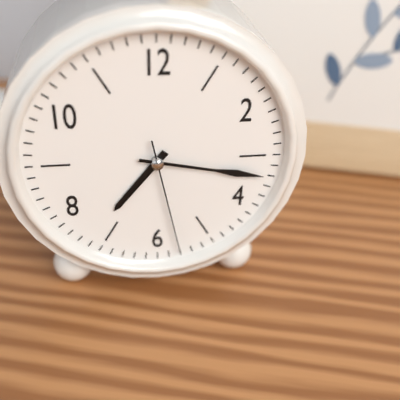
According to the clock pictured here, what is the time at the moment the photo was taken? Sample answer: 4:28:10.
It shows 7:17:28
